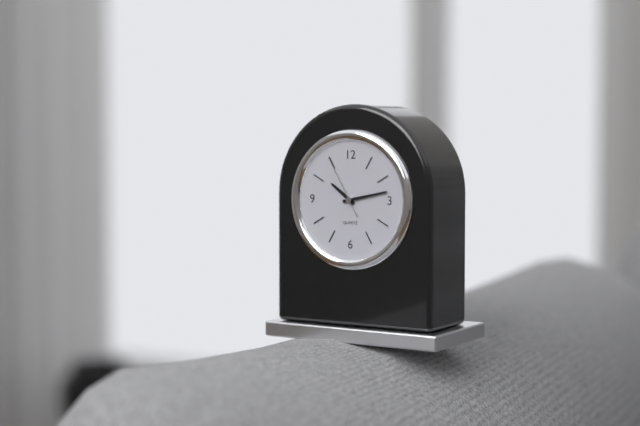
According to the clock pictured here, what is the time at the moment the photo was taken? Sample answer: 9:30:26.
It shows 10:13:55
